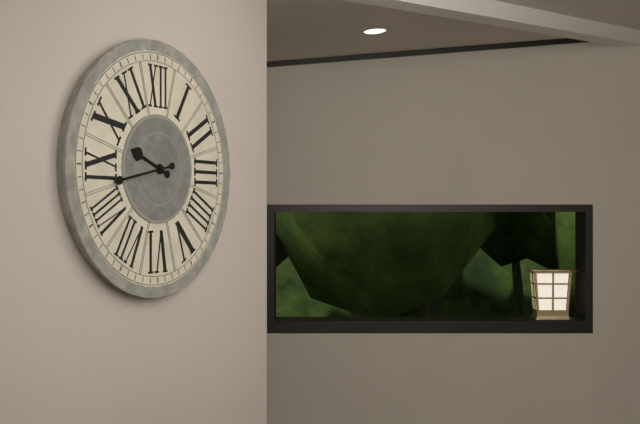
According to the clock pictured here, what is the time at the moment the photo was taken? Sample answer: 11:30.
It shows 9:43
